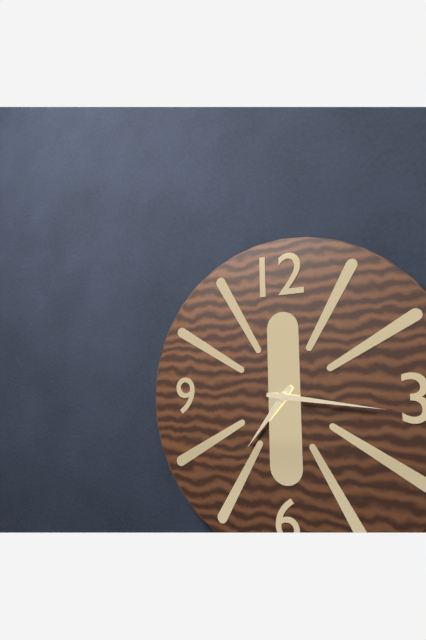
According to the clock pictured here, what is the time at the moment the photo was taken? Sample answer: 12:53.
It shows 7:16
